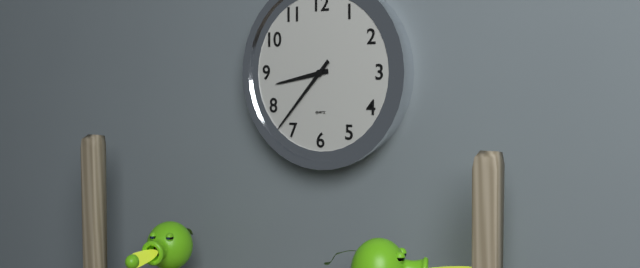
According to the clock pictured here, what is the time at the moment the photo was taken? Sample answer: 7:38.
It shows 8:37
